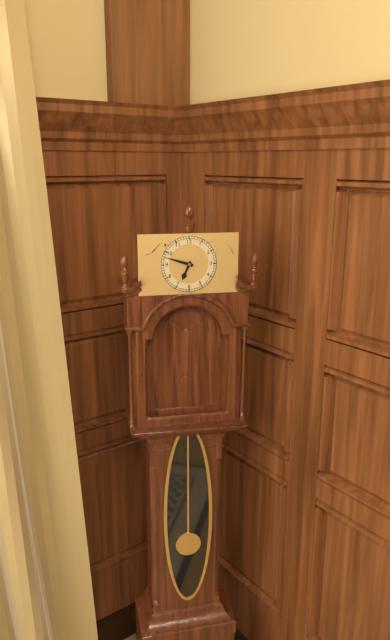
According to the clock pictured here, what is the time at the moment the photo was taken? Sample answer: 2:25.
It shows 6:48
